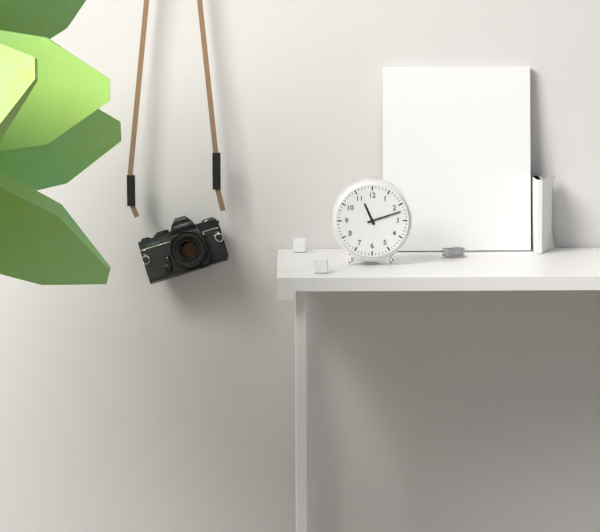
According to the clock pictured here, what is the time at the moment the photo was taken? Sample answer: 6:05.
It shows 11:12
